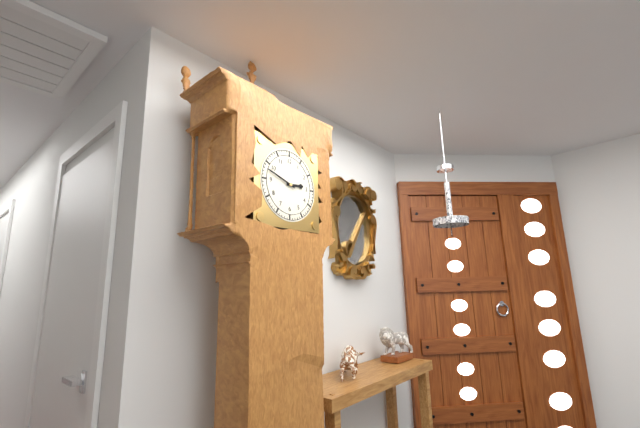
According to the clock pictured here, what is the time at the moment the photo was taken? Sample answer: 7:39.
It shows 2:48
